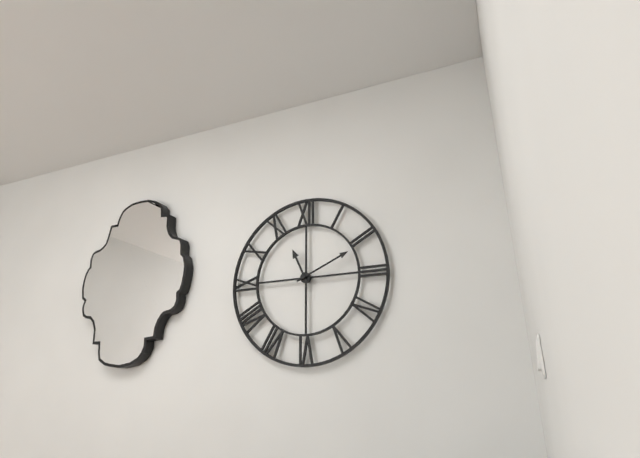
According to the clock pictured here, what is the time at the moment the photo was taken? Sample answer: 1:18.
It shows 11:11
